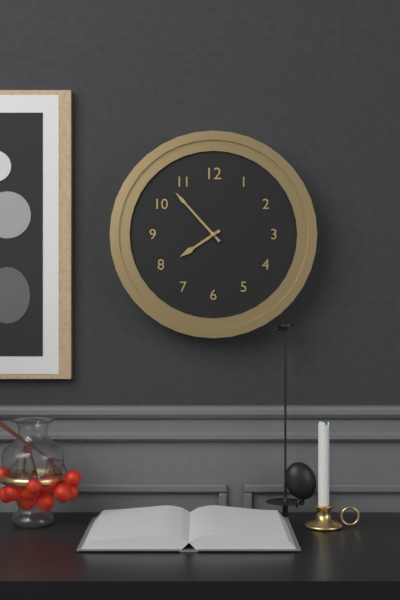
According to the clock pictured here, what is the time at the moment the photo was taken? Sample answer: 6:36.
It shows 7:53
